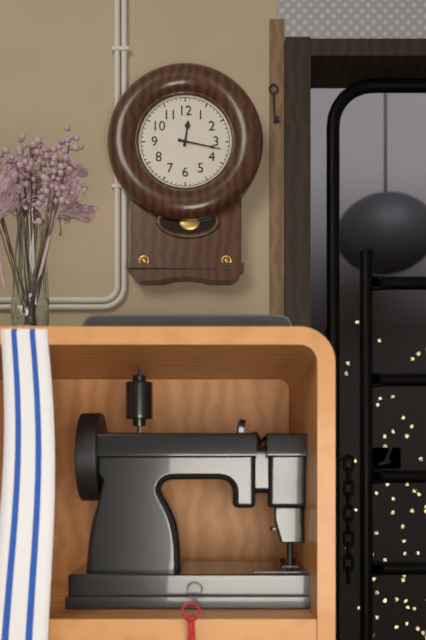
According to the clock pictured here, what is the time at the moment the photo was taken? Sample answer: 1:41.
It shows 12:17
